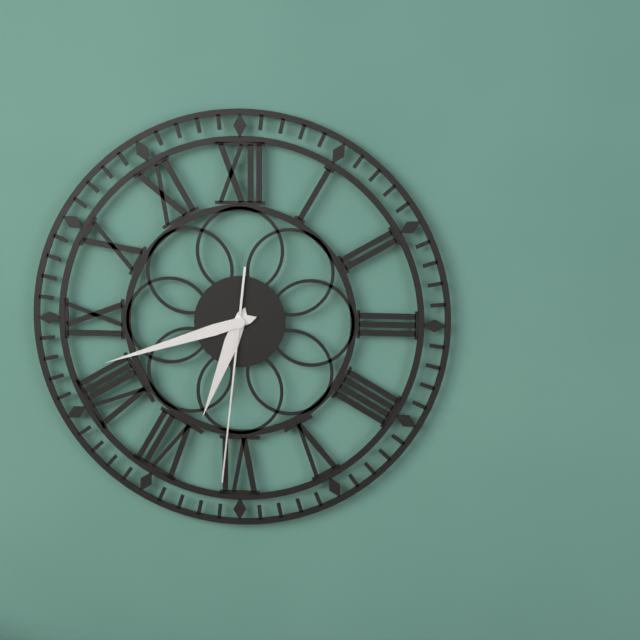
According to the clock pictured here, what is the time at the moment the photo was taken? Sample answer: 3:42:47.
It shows 6:42:31
